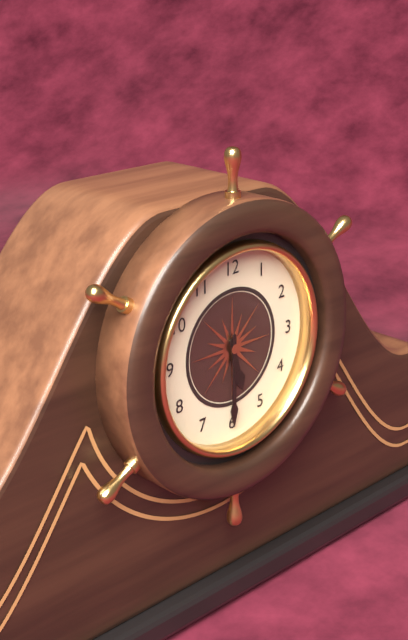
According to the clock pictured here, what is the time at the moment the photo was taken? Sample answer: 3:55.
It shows 5:30
